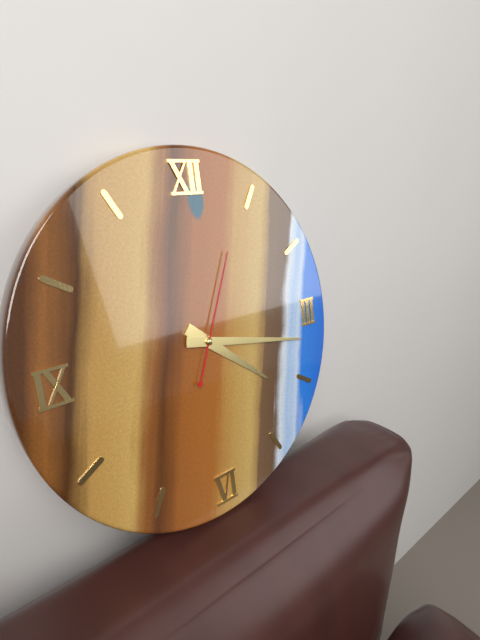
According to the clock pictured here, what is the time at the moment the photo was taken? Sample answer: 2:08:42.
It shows 4:17:04
